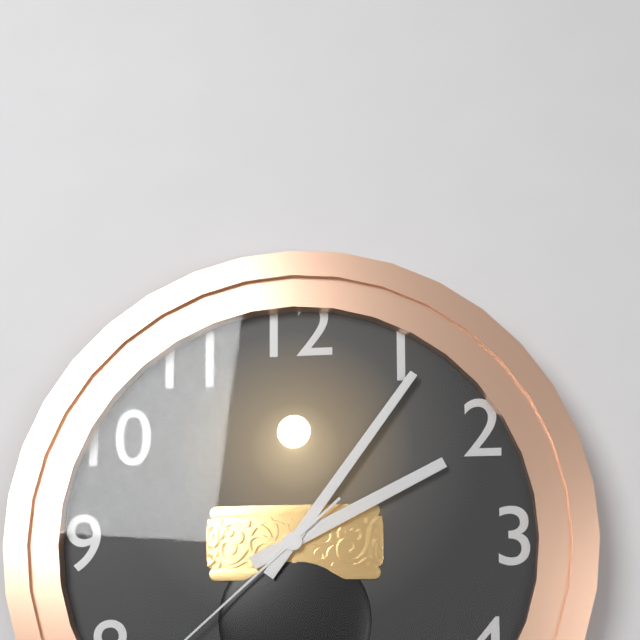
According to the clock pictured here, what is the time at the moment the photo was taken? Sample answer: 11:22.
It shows 2:06
